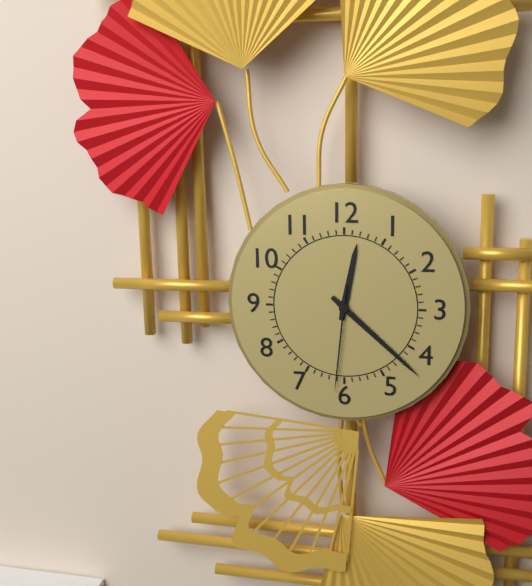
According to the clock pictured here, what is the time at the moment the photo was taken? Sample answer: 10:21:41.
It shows 12:22:31
